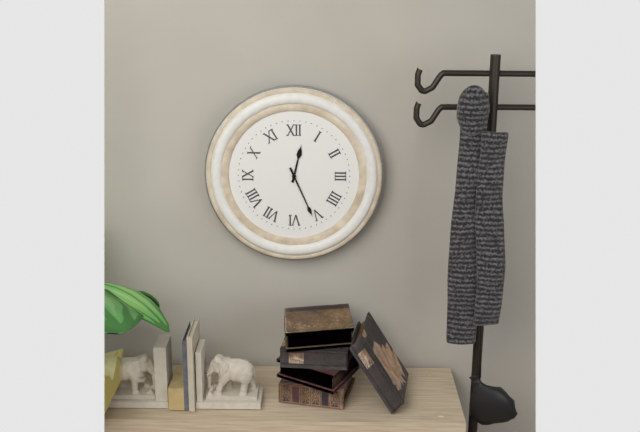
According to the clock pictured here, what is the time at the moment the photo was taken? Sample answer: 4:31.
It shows 12:26
